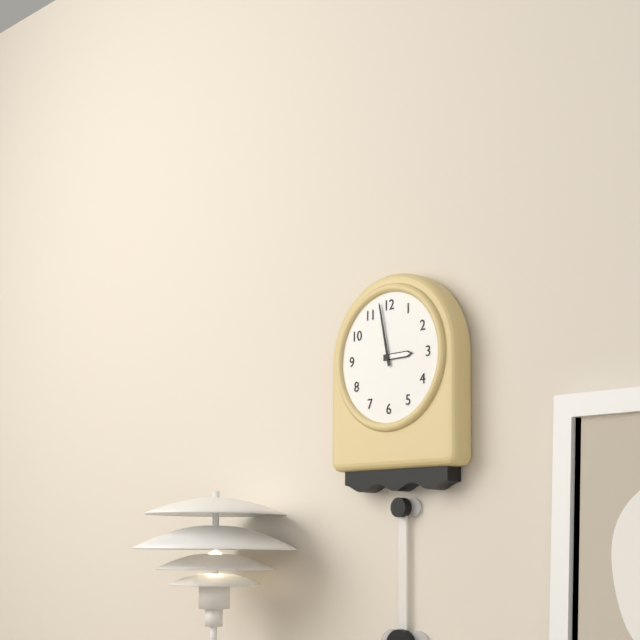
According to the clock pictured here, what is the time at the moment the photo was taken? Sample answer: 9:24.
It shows 2:58
